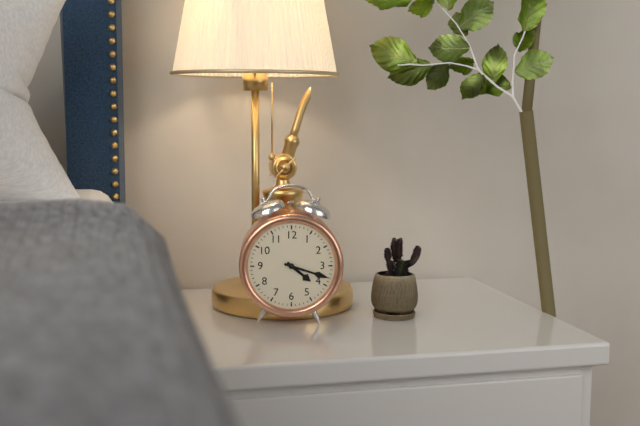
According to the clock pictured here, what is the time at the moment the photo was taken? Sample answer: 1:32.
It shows 4:18
